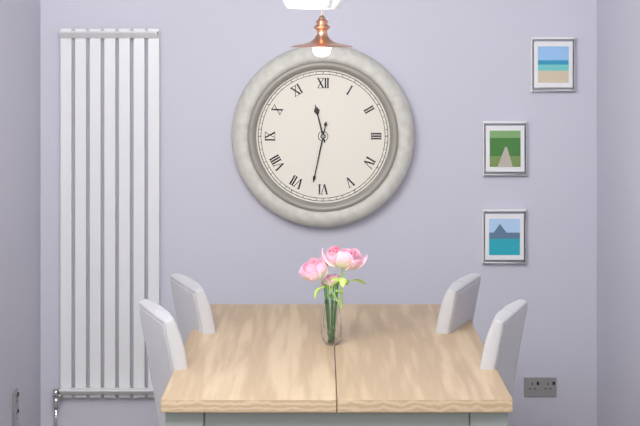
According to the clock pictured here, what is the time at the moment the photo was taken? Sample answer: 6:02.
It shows 11:32
